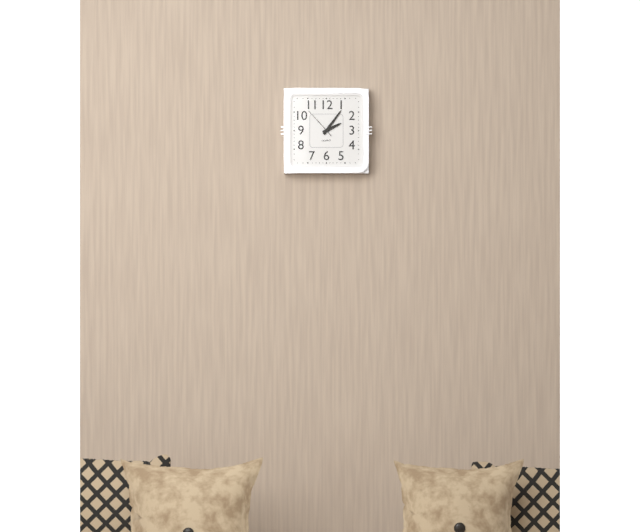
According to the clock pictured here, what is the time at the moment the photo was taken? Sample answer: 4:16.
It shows 2:06
